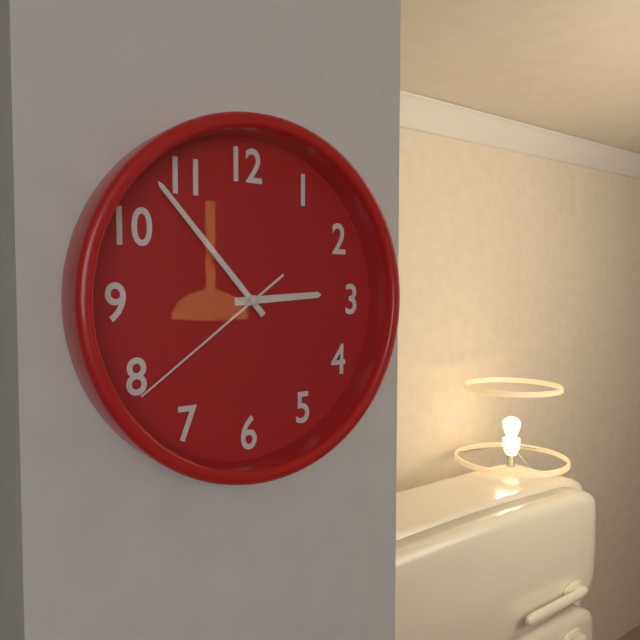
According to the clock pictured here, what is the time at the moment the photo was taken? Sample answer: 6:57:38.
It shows 2:53:39
